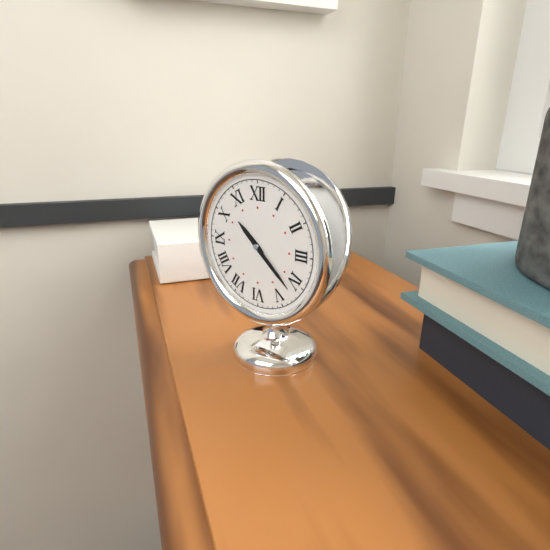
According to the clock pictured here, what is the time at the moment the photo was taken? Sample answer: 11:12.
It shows 10:22
